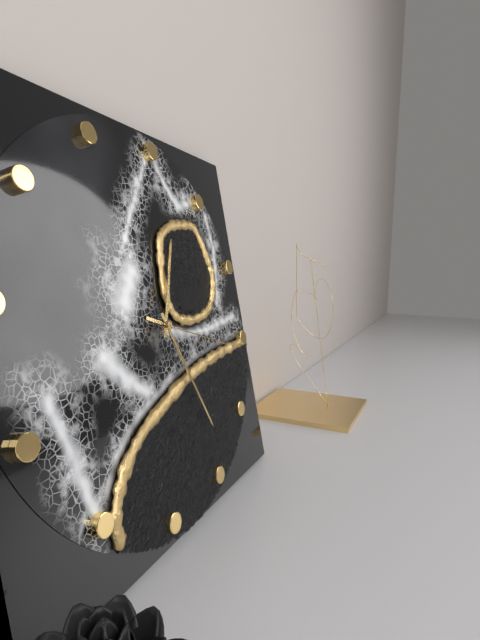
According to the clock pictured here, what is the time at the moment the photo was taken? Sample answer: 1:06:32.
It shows 12:24:16
